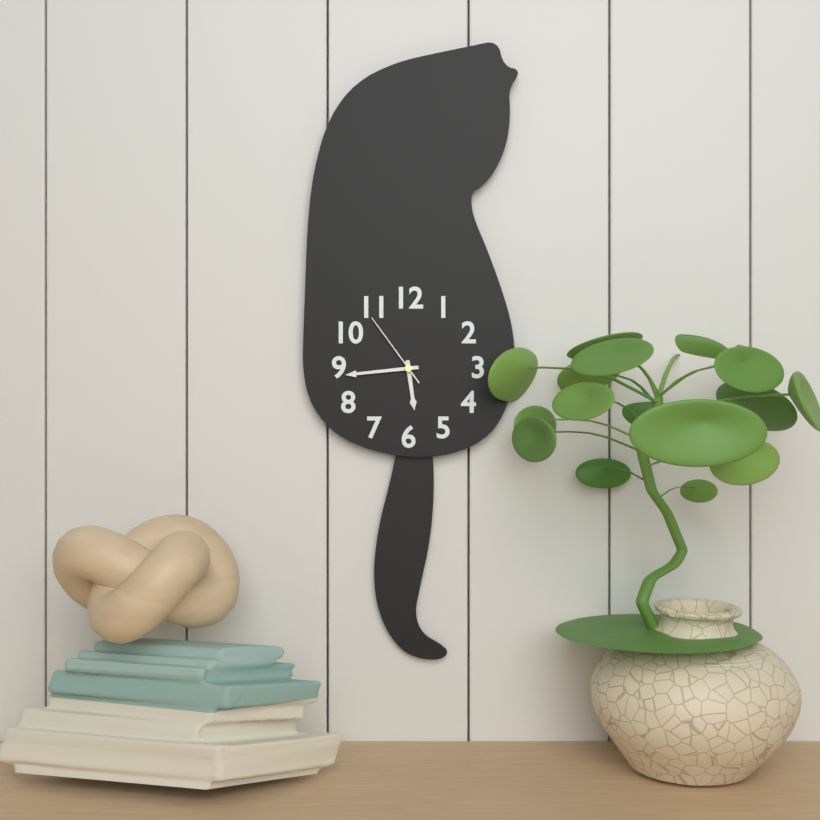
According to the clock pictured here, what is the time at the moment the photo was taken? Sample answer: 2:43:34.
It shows 5:44:54
